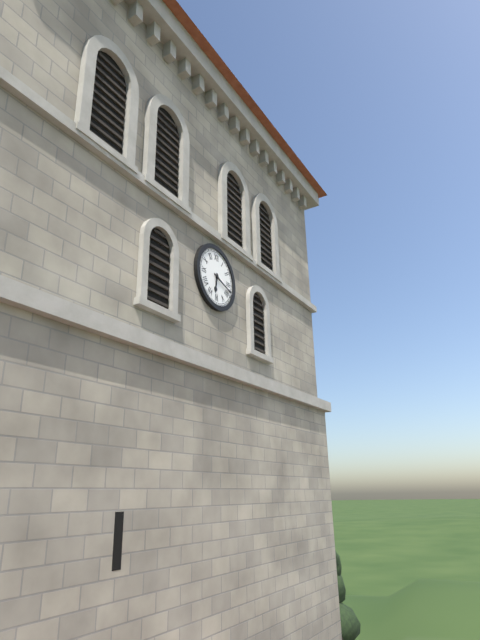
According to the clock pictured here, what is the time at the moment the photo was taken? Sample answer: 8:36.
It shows 6:18
